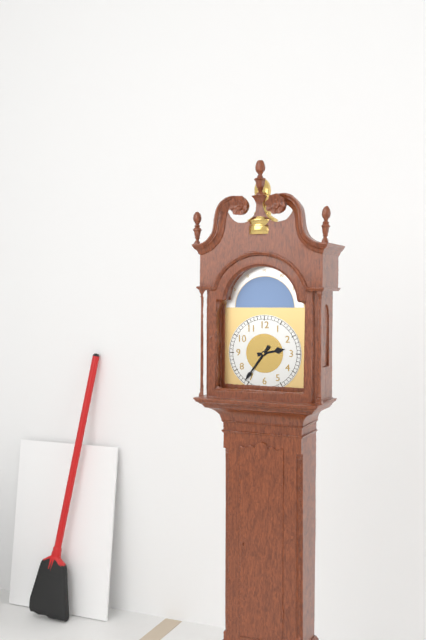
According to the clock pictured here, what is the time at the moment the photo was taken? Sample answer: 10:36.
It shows 2:36
